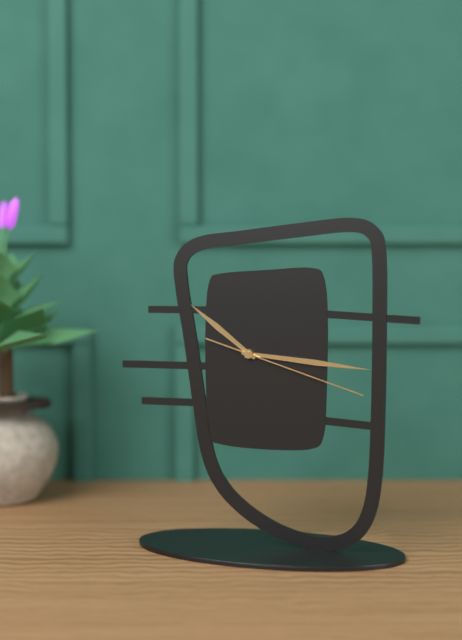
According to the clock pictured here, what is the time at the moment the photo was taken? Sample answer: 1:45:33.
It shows 10:16:18
